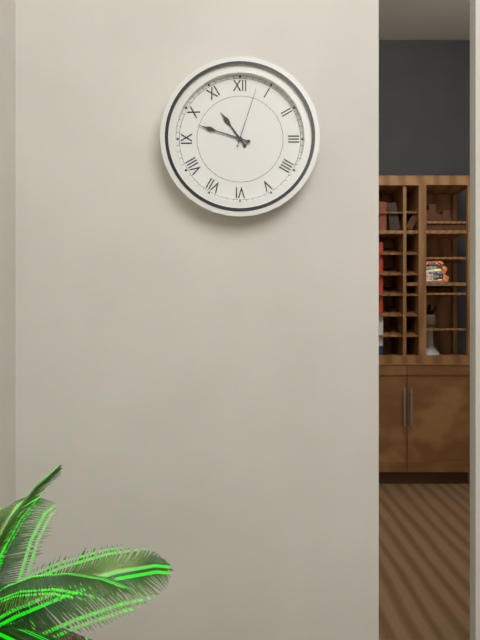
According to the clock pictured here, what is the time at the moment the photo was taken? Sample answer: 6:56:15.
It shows 10:48:03
